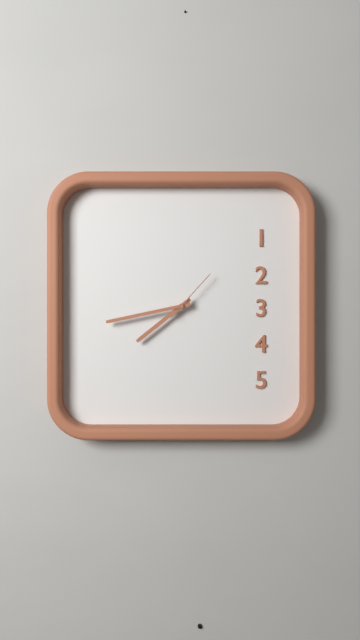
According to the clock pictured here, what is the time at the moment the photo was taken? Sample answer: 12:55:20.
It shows 7:43:07
